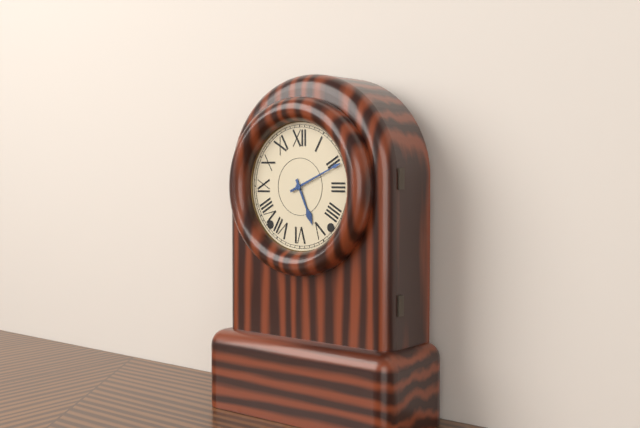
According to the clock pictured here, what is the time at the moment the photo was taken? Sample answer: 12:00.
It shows 5:11
